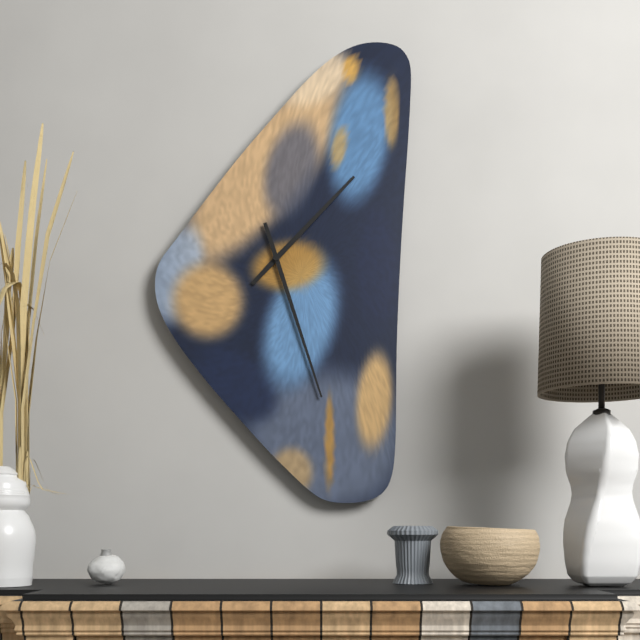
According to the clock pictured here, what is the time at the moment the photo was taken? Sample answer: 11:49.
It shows 1:27
